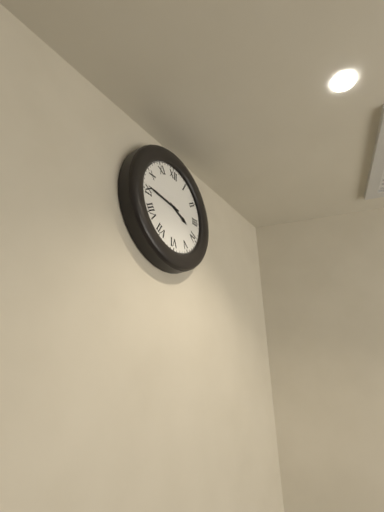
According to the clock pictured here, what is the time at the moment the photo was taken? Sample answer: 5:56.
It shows 3:46
